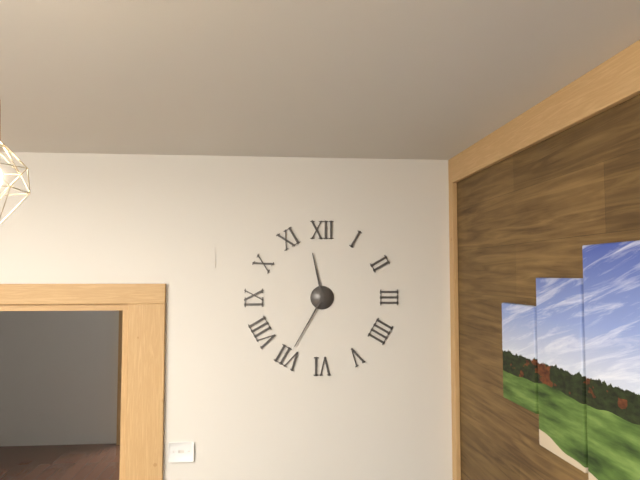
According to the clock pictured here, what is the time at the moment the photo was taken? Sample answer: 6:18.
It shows 11:35
